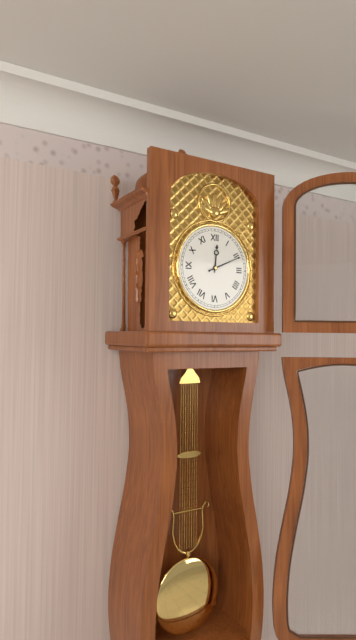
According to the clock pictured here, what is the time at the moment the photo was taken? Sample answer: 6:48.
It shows 12:11
